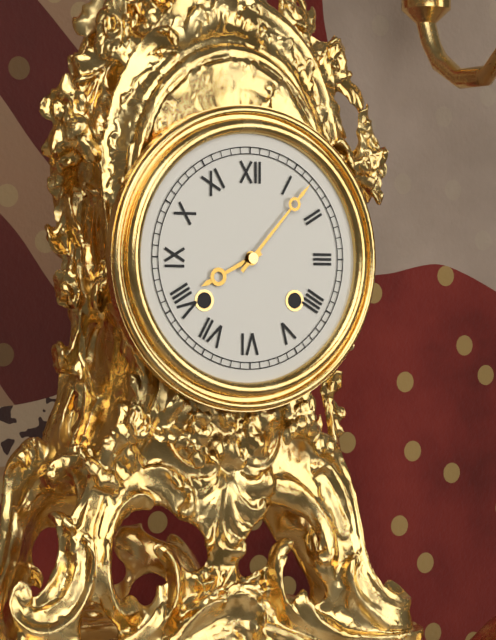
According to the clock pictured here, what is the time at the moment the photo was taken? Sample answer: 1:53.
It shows 8:07
